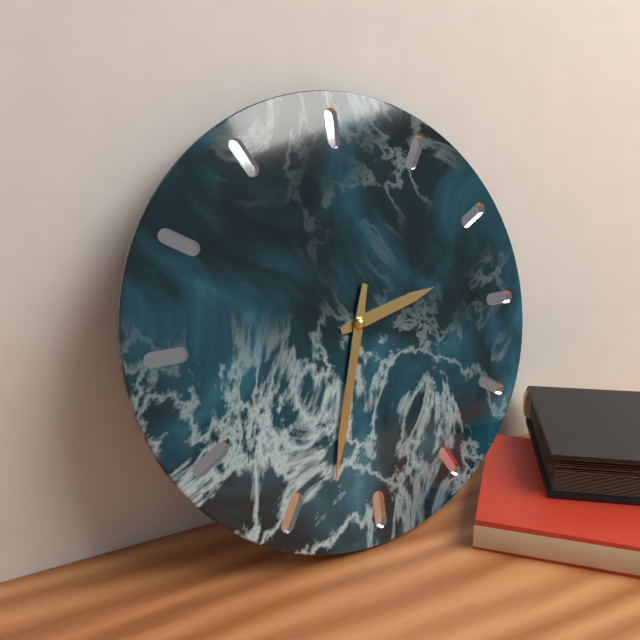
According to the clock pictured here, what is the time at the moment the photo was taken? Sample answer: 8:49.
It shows 2:33
